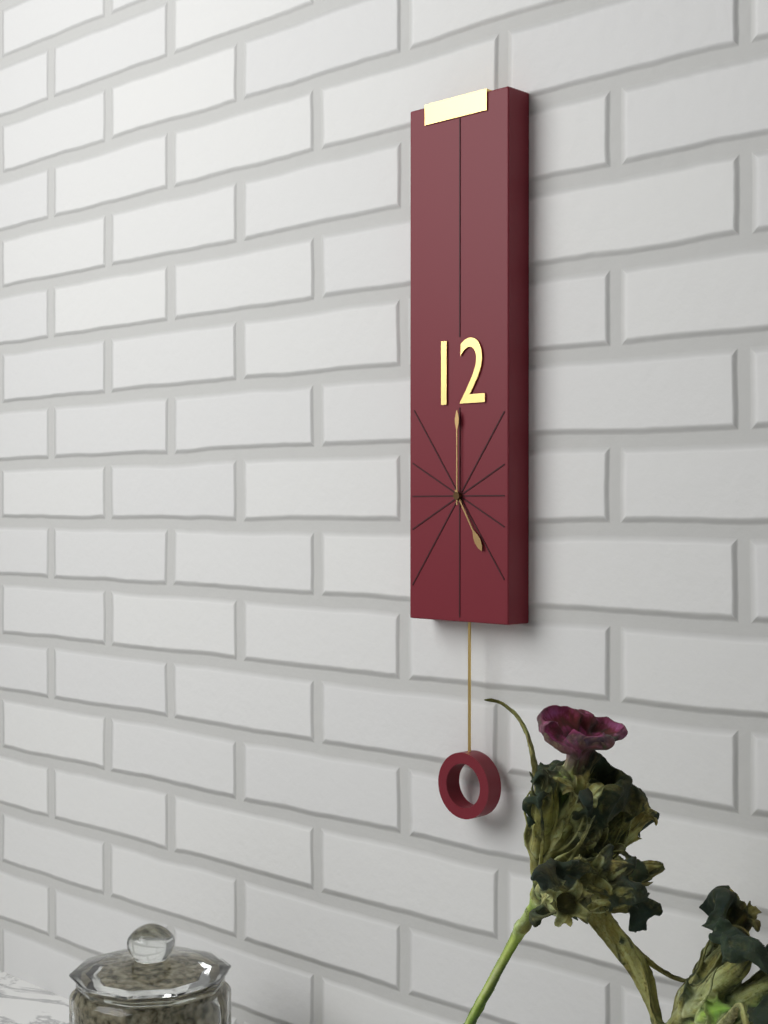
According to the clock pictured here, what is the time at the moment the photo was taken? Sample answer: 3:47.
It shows 5:00
